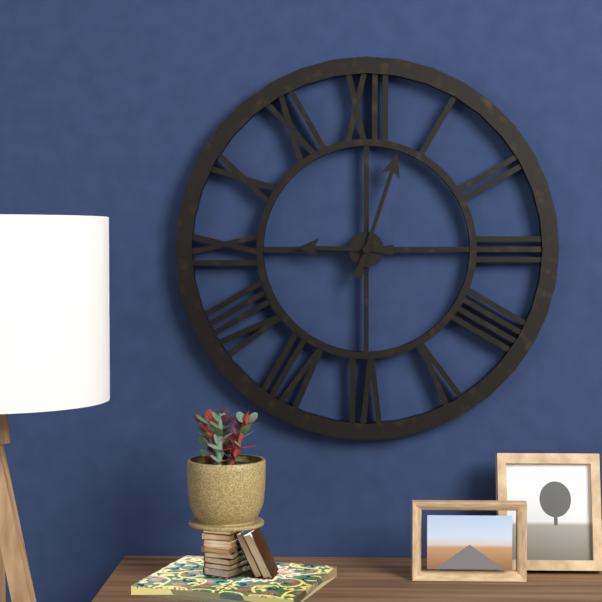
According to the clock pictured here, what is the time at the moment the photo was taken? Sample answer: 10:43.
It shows 9:03
